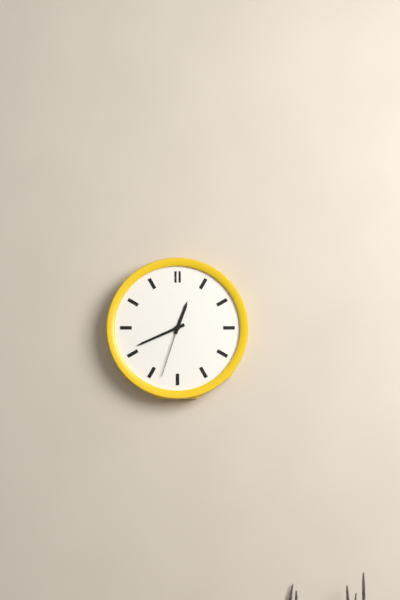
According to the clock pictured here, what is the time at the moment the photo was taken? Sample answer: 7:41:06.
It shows 12:41:33
